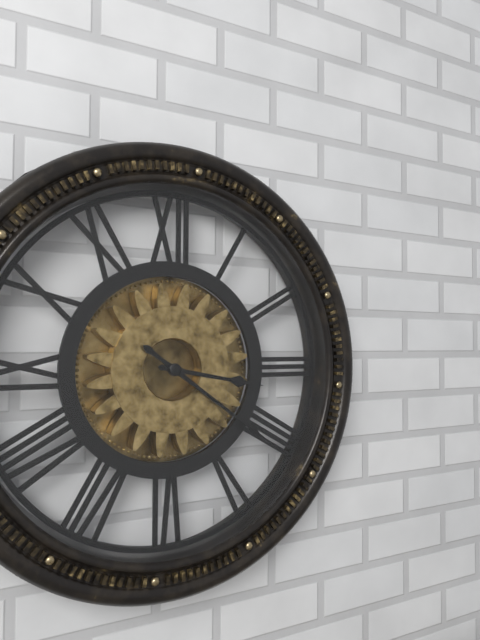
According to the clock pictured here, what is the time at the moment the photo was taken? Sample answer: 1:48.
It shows 3:21
